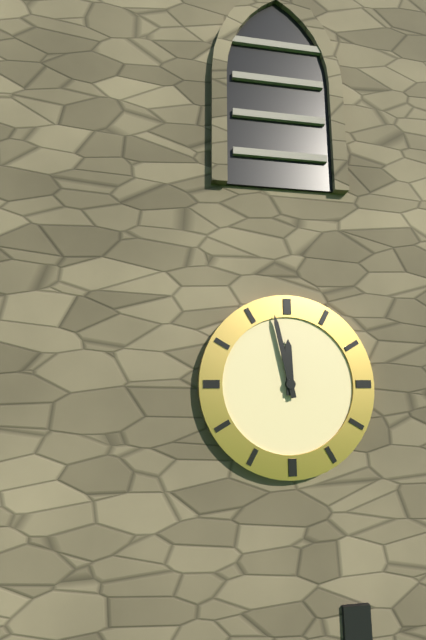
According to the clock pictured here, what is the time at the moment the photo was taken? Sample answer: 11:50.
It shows 11:58
